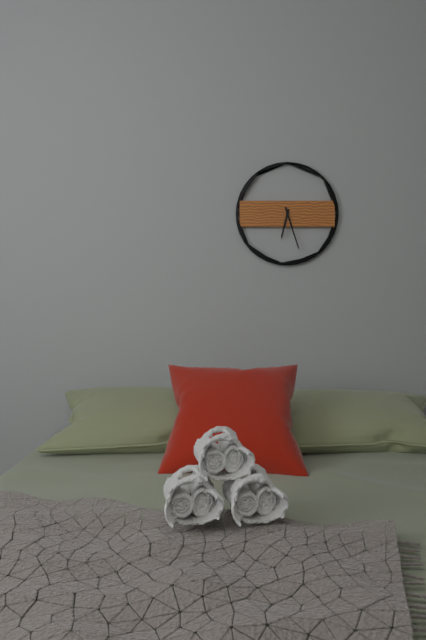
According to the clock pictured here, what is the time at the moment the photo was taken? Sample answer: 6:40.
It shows 6:27
